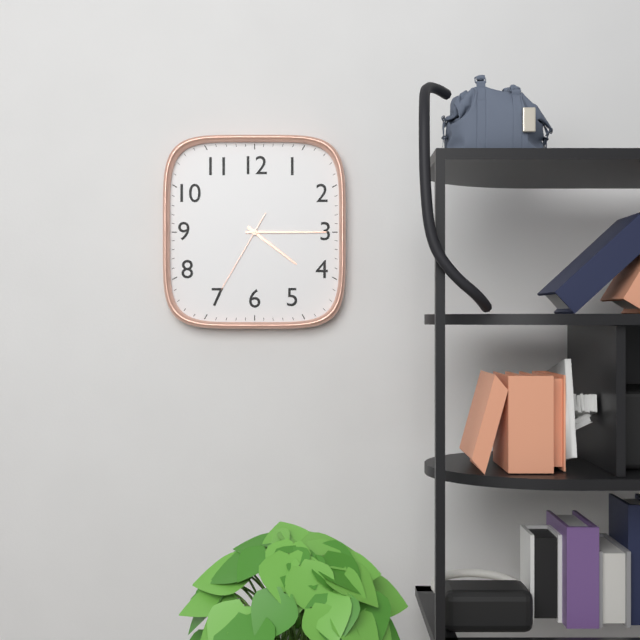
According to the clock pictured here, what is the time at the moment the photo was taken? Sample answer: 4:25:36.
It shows 4:15:35
